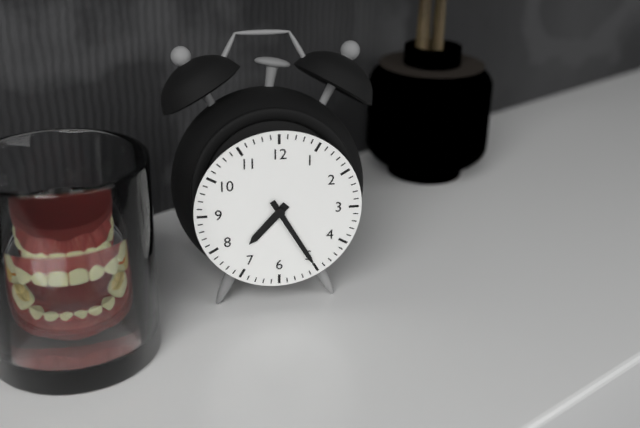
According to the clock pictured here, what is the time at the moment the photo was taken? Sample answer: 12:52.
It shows 7:25
